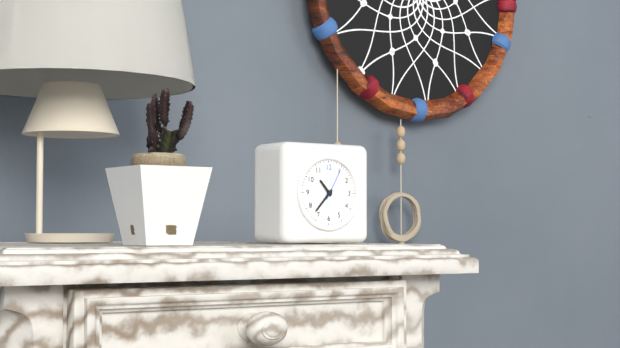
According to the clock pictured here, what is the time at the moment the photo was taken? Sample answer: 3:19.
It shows 10:37
